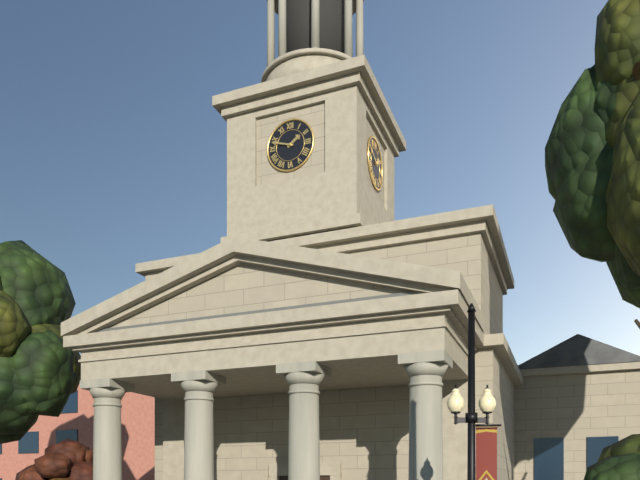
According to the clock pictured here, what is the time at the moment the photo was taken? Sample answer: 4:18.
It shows 1:48
